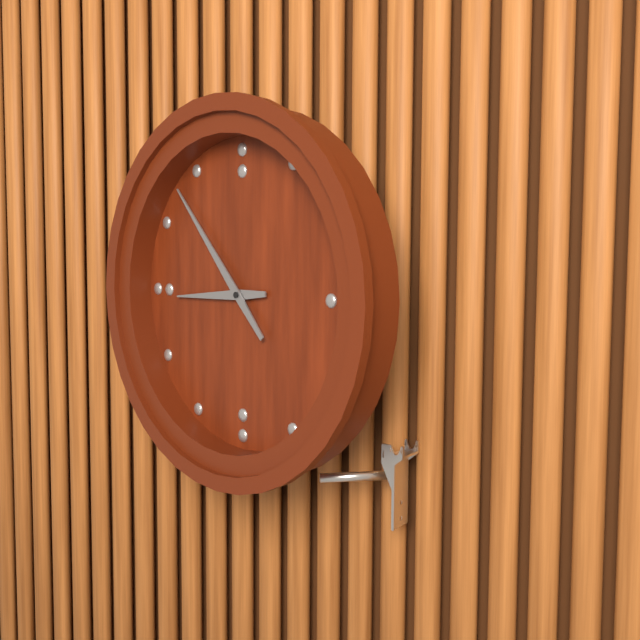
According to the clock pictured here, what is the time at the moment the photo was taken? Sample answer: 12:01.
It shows 8:53
